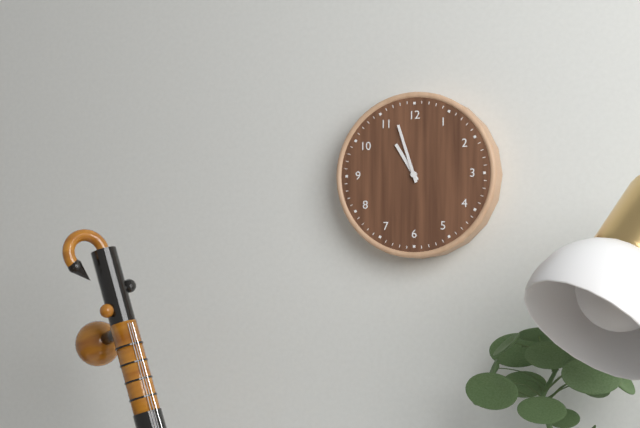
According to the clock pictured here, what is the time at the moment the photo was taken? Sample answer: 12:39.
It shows 10:57
